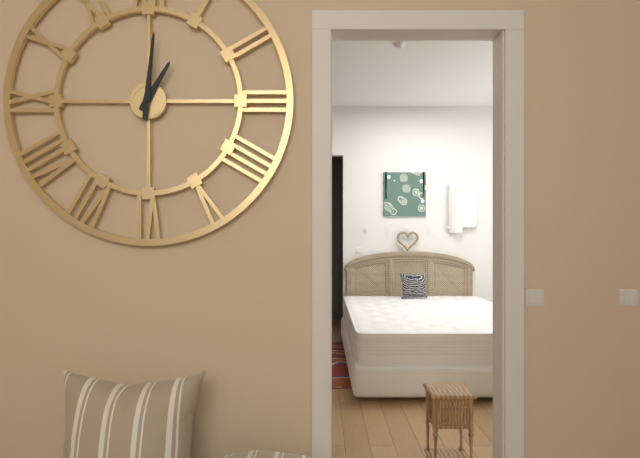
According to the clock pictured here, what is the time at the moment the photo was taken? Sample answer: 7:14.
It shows 1:01
